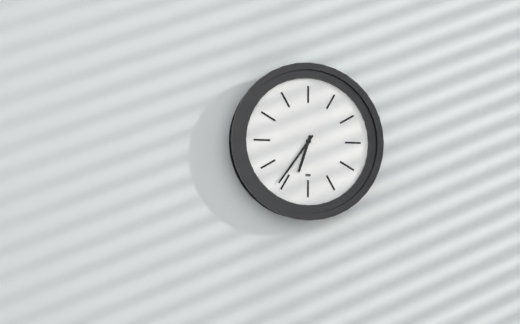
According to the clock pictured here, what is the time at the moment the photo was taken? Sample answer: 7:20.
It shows 6:36
